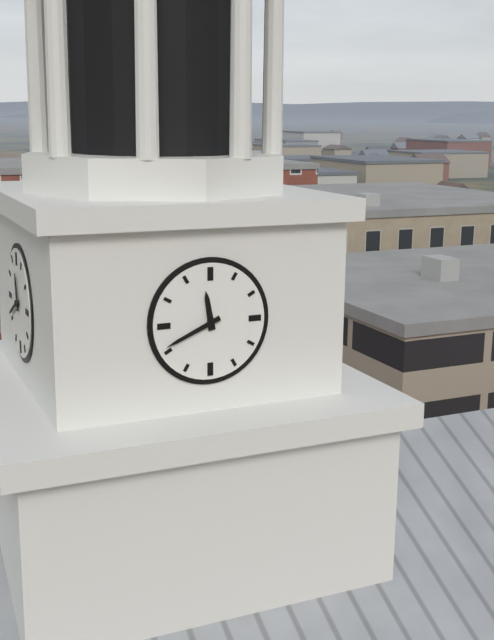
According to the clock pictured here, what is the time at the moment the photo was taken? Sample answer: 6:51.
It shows 11:41
